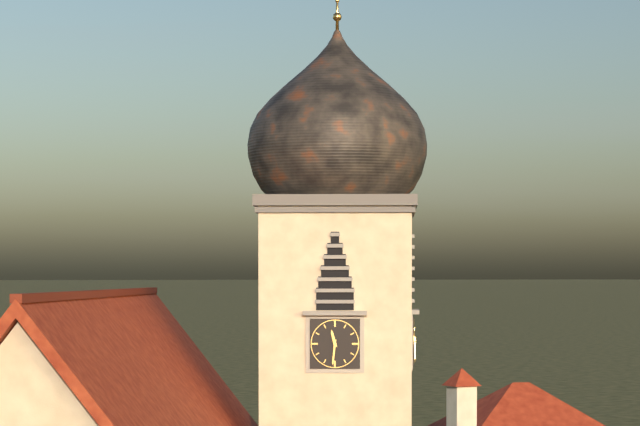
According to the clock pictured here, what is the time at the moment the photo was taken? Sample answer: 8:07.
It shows 11:31
